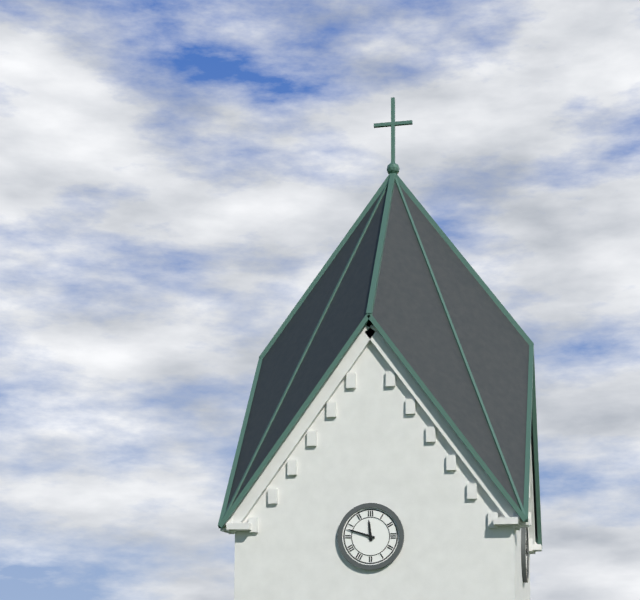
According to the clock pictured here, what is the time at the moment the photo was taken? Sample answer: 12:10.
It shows 11:48
